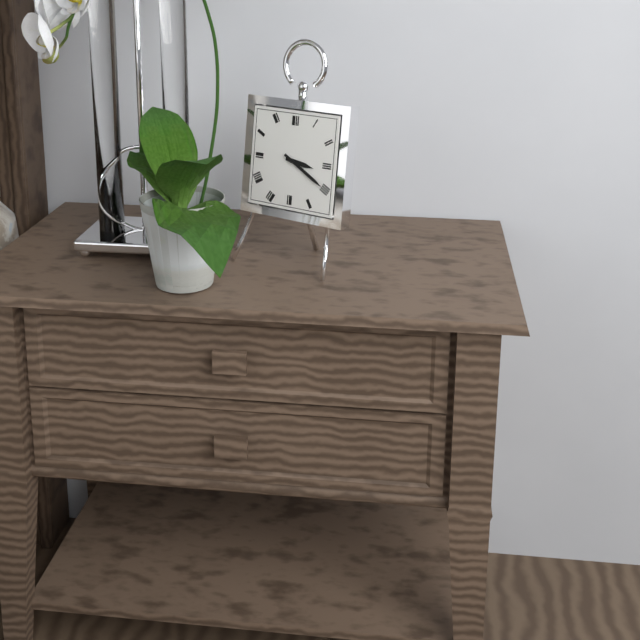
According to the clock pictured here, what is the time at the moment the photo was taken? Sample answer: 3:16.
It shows 3:20
